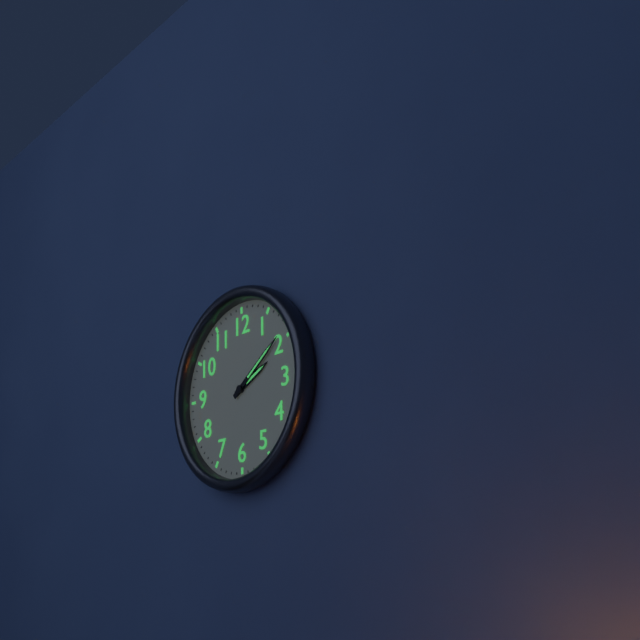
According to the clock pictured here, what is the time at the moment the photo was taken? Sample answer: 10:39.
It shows 2:09
